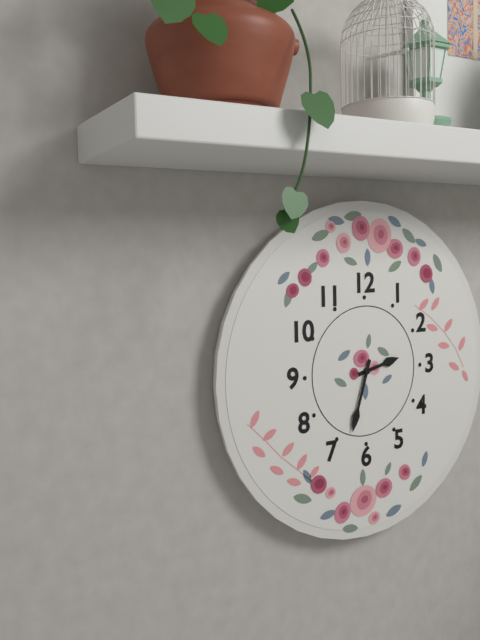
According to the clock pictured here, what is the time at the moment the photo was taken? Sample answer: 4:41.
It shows 2:33
